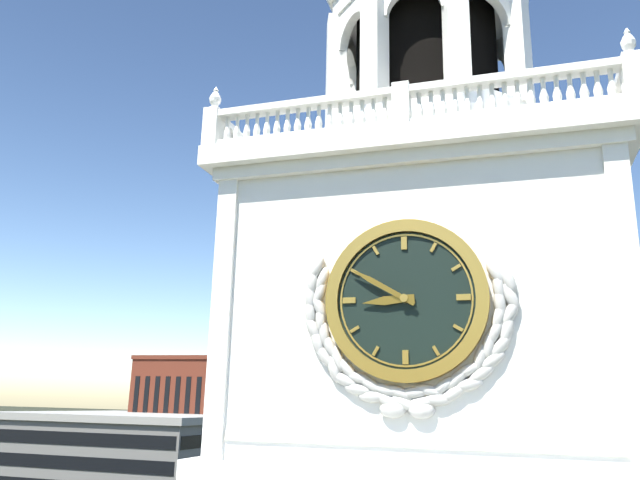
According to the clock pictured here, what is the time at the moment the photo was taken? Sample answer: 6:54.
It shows 8:50
